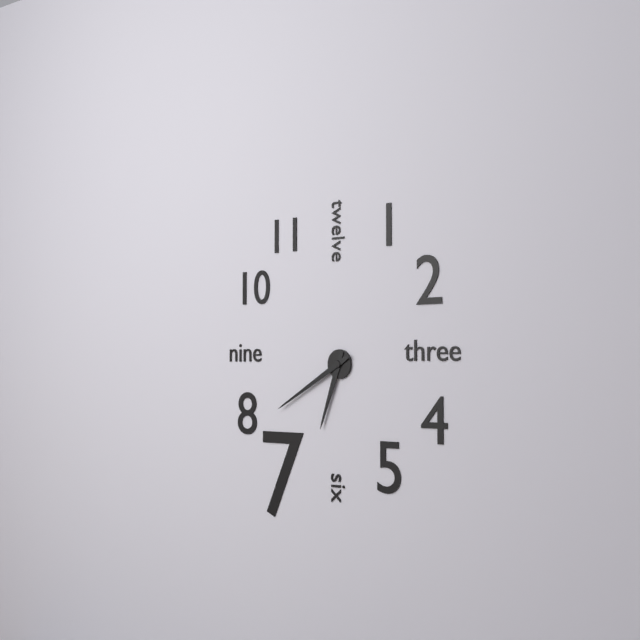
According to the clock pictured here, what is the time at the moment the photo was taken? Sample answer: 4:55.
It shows 6:40
